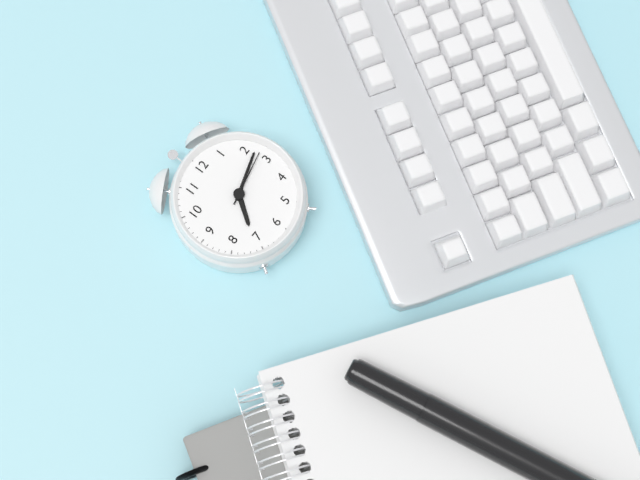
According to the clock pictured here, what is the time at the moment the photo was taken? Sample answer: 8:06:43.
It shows 7:12:13
